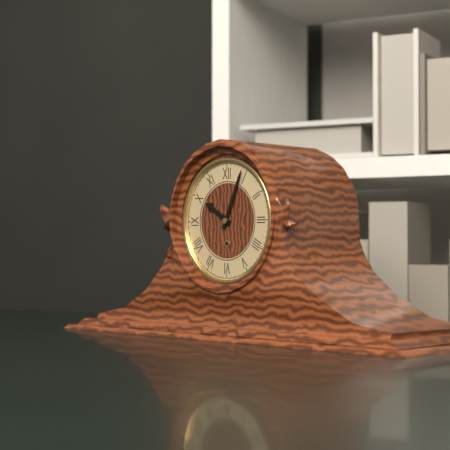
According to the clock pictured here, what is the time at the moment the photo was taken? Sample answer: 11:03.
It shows 10:04
